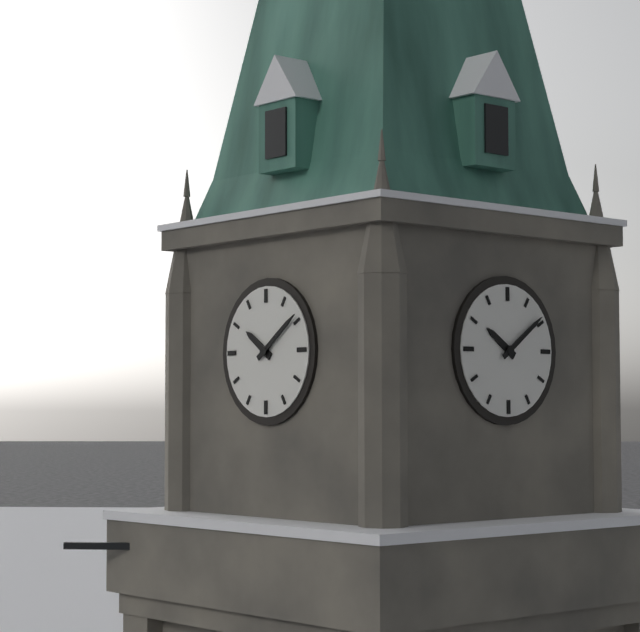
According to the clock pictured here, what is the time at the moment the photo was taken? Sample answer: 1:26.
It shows 10:09
